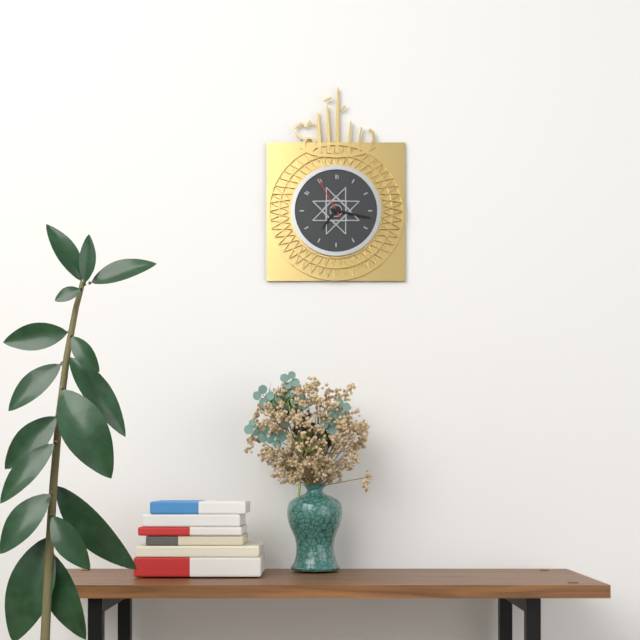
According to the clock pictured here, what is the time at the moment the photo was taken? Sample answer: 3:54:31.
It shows 7:17:55
